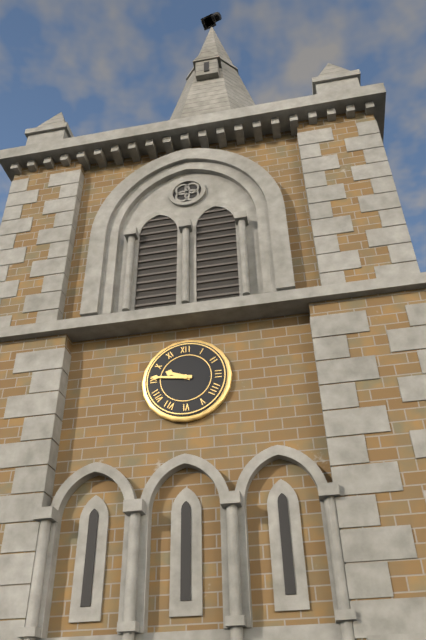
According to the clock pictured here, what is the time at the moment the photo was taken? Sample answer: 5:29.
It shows 9:46
